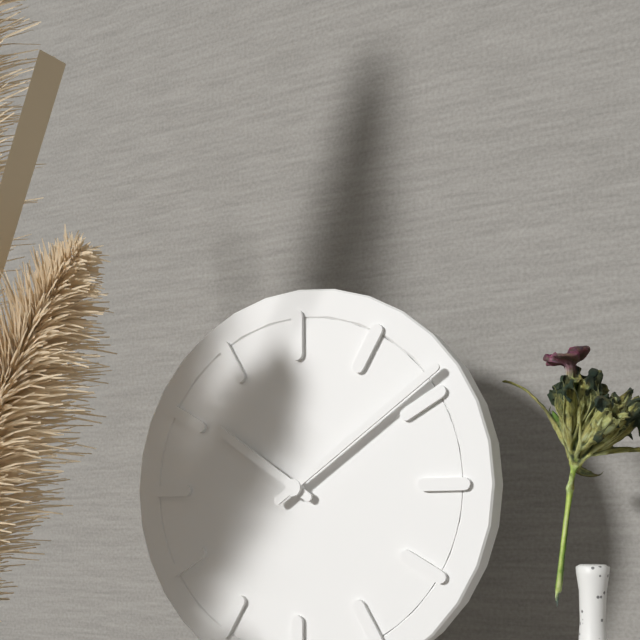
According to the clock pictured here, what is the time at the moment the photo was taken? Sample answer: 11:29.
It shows 10:09
